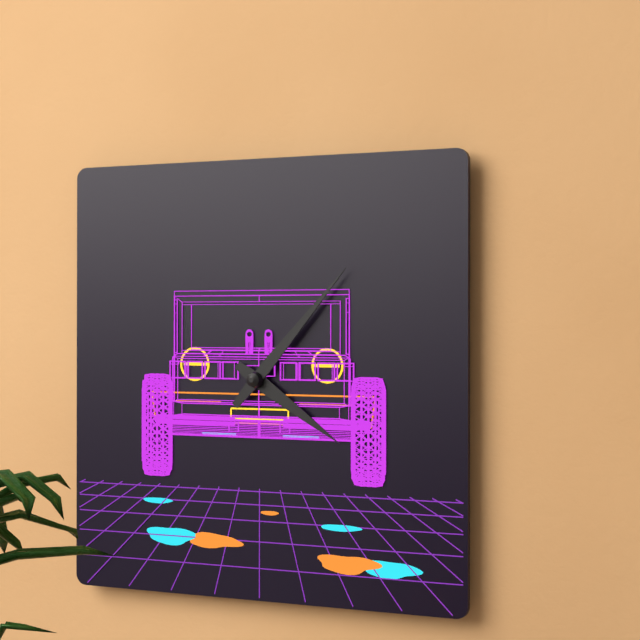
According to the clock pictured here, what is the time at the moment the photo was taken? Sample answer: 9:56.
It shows 4:07
